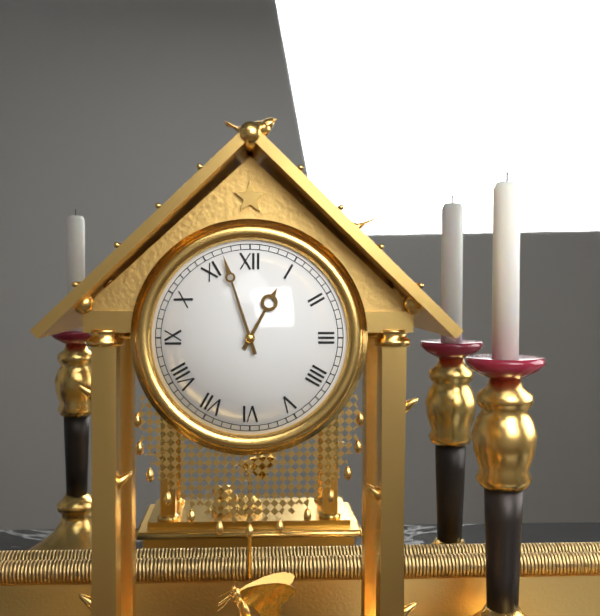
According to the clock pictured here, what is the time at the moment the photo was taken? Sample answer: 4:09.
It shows 12:57
